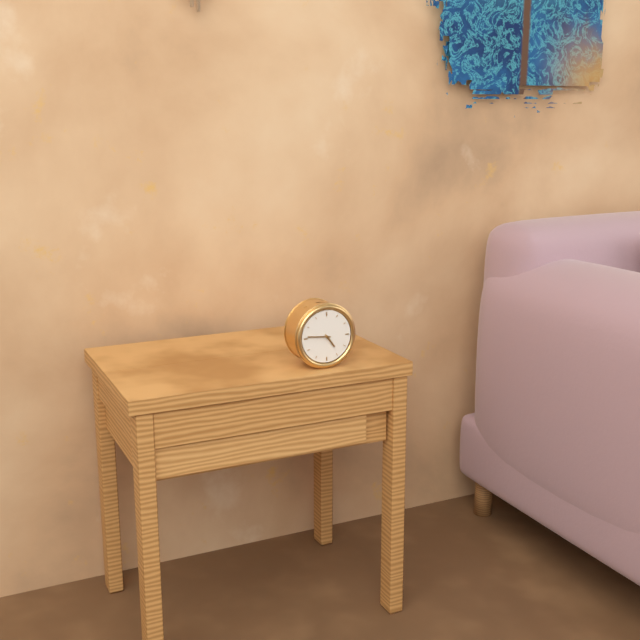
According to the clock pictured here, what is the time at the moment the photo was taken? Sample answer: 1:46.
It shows 4:46
